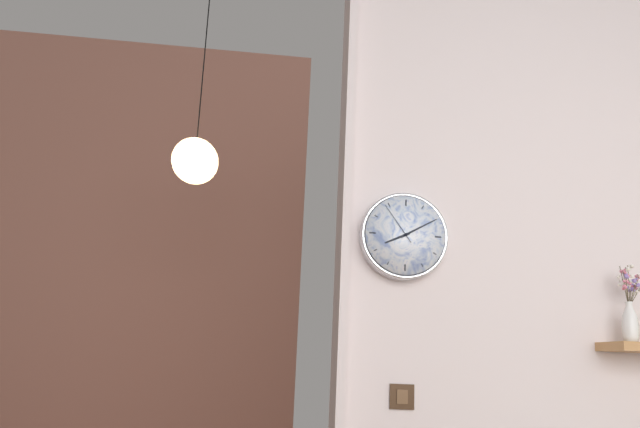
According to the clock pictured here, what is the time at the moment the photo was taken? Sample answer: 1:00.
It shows 8:10
